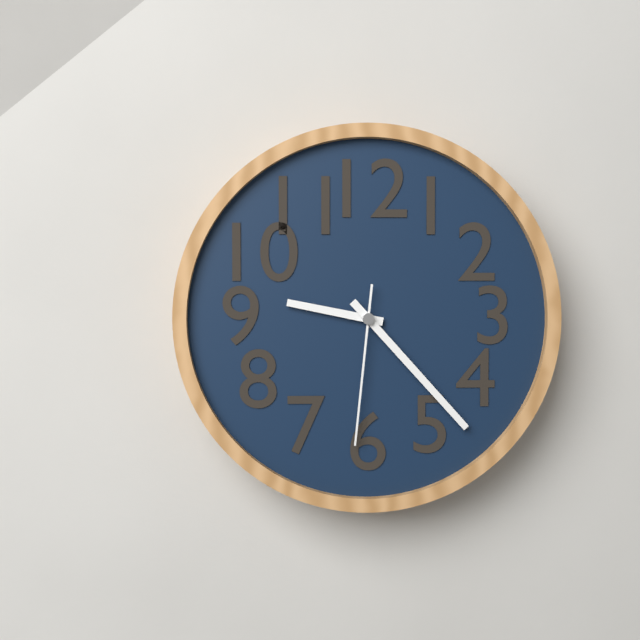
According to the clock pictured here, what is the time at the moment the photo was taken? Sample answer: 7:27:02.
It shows 9:23:31
